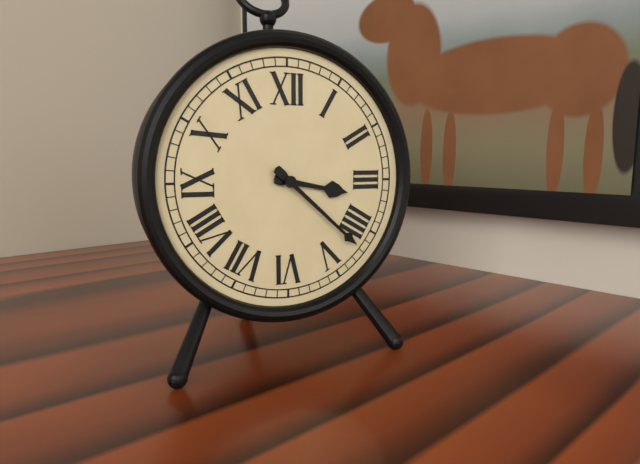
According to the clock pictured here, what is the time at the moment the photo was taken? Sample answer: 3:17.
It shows 3:22
